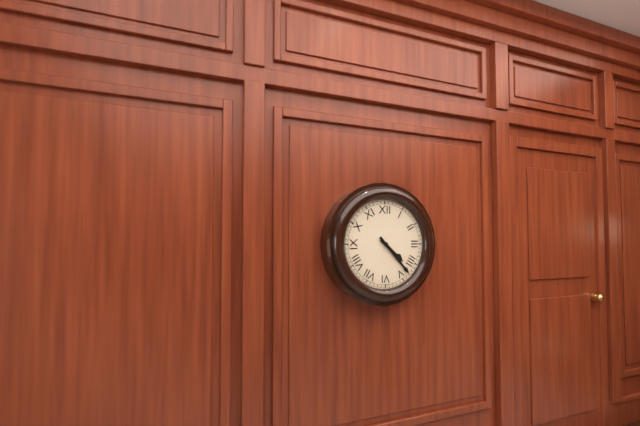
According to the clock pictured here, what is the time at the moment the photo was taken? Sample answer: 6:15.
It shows 4:23
